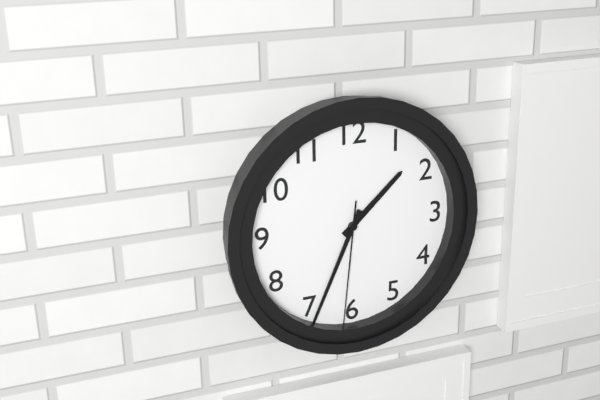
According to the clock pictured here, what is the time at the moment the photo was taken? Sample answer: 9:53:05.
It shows 1:34:31
